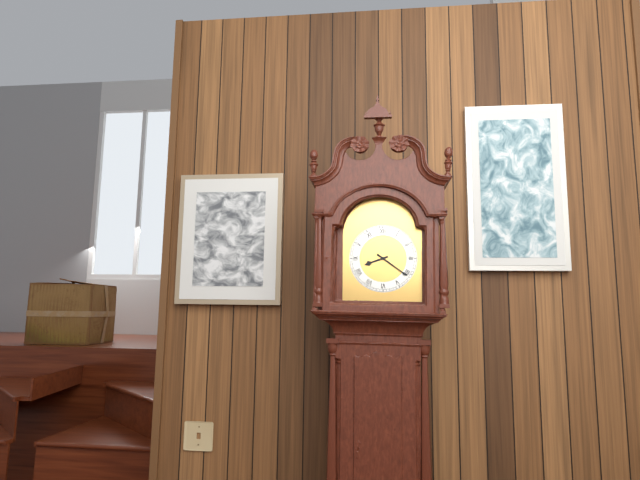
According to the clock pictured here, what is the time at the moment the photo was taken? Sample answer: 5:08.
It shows 8:21
